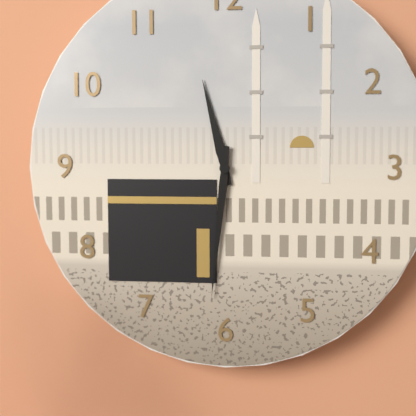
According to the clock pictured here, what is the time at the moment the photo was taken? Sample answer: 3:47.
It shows 11:31
